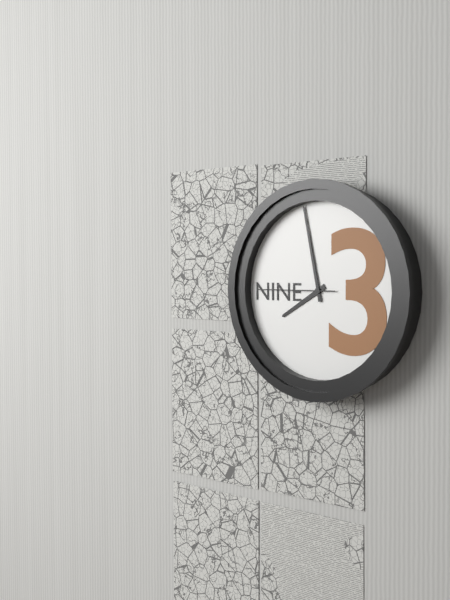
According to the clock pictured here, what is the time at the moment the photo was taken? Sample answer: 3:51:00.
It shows 7:58:45
